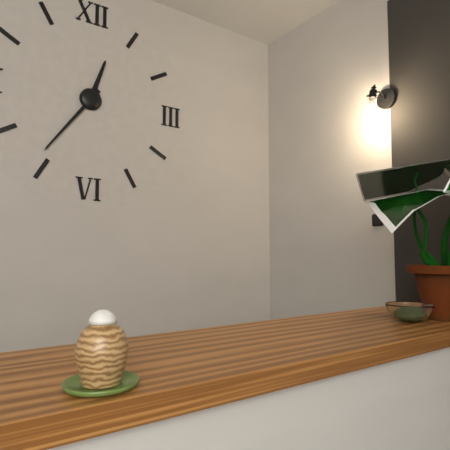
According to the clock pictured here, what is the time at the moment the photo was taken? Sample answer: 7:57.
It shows 12:36
